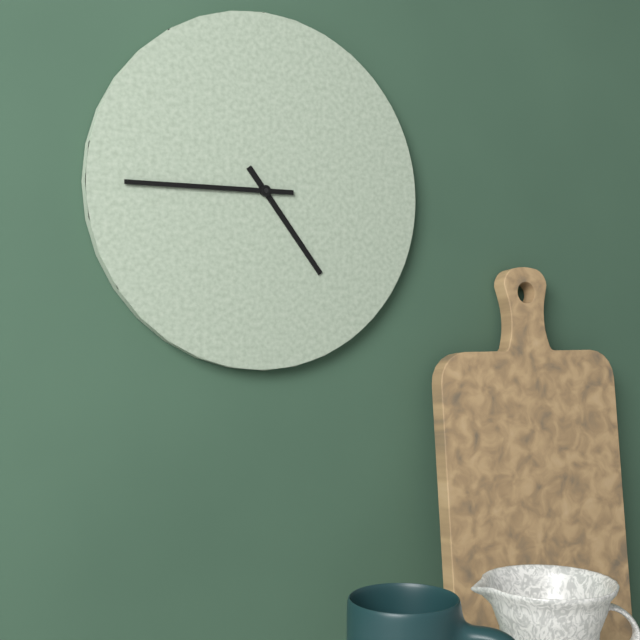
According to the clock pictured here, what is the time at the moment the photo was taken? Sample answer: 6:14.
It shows 4:45
